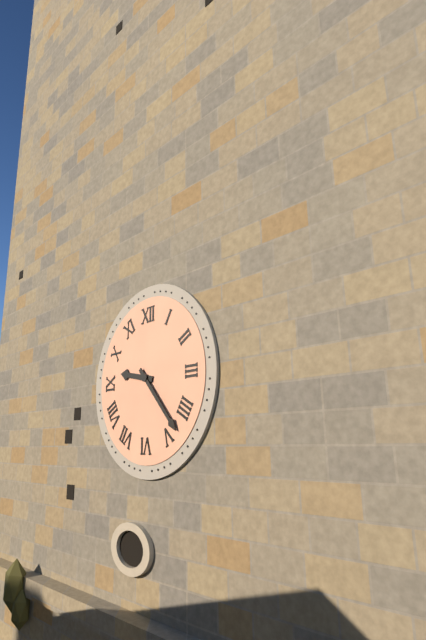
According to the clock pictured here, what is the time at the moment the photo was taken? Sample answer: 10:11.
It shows 9:23
